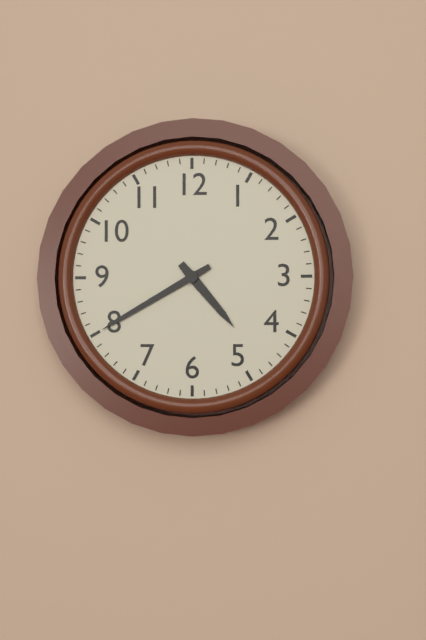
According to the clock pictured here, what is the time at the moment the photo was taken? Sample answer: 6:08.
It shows 4:40
